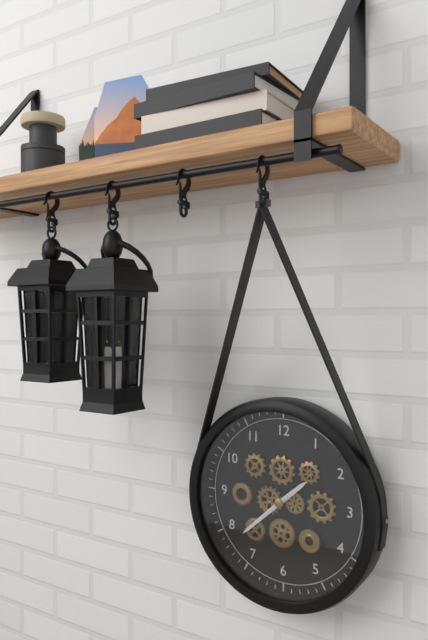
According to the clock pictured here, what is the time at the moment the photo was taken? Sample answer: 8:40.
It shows 1:38
